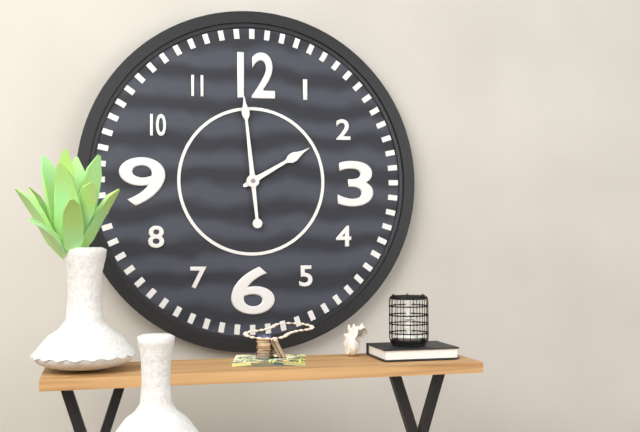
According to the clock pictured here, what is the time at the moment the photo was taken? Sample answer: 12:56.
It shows 1:59
